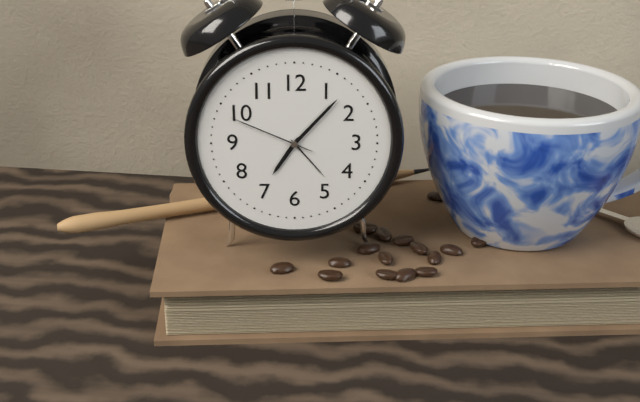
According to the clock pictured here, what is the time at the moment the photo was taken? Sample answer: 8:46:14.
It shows 7:07:49
